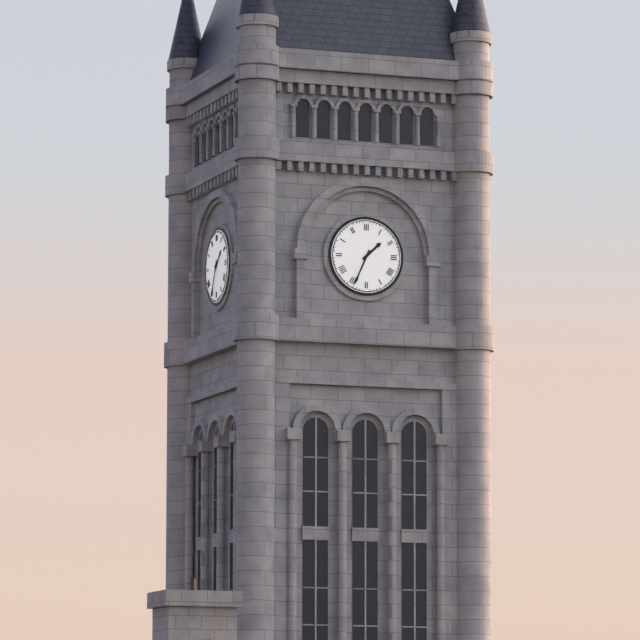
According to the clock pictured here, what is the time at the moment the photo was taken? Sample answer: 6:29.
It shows 1:34
